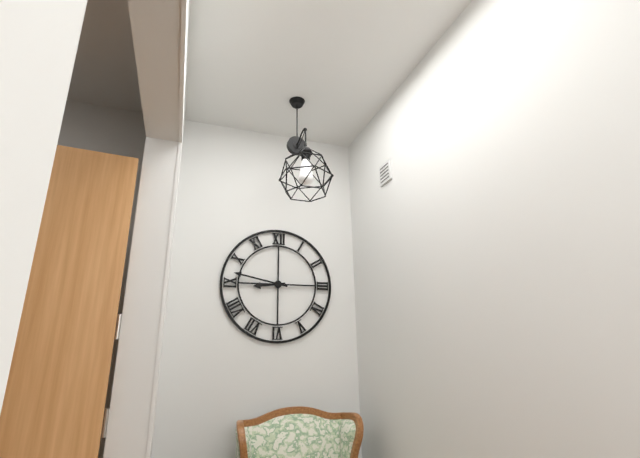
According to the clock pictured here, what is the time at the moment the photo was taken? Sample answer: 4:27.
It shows 8:47
